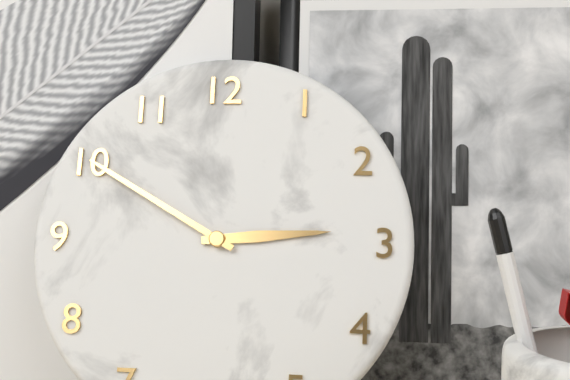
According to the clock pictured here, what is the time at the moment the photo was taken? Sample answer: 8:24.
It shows 2:50
